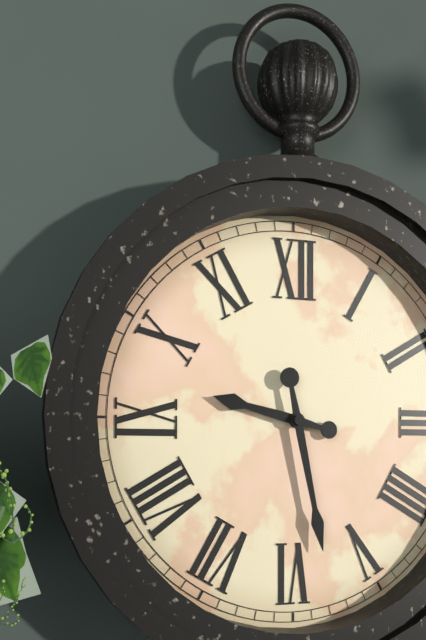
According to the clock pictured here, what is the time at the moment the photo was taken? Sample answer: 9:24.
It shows 9:28
